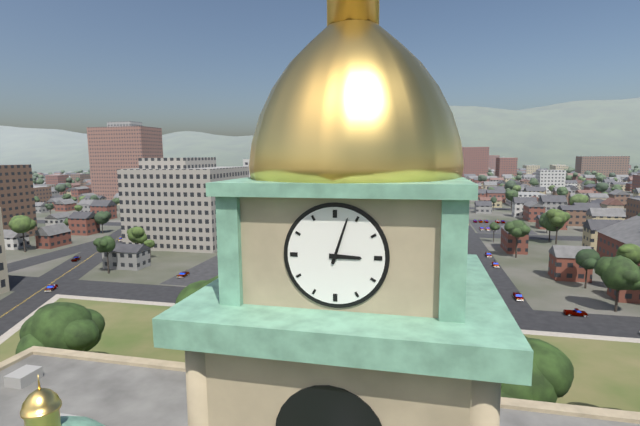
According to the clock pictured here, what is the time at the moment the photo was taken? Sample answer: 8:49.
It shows 3:03
